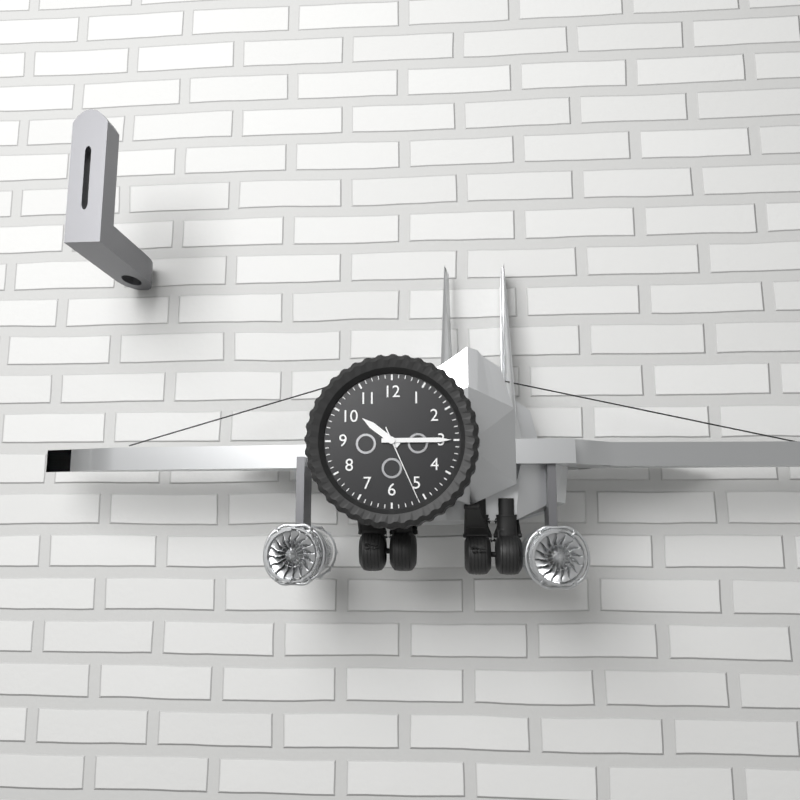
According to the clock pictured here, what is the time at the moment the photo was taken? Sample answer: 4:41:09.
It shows 10:15:26
